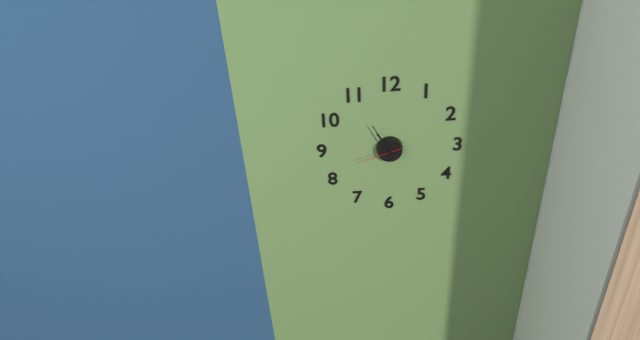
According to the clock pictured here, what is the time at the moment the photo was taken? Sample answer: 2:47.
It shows 10:55
